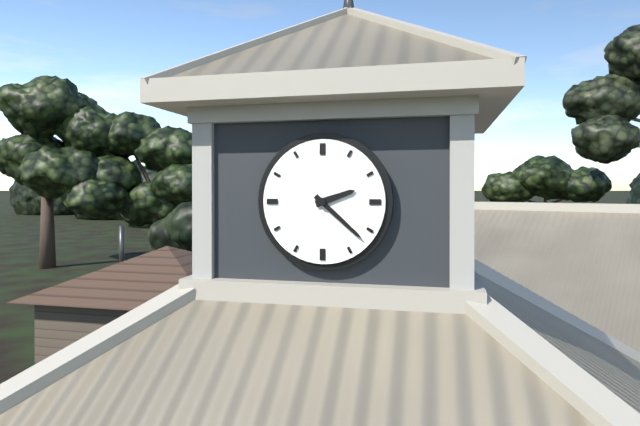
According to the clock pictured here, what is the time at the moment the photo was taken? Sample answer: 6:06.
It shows 2:22
